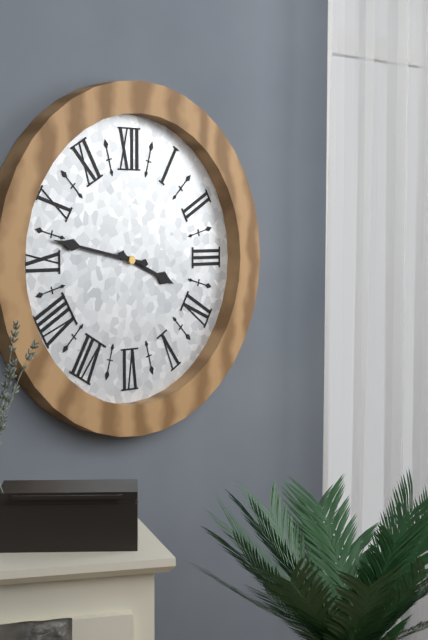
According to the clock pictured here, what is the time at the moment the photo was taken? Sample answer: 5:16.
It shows 3:47
